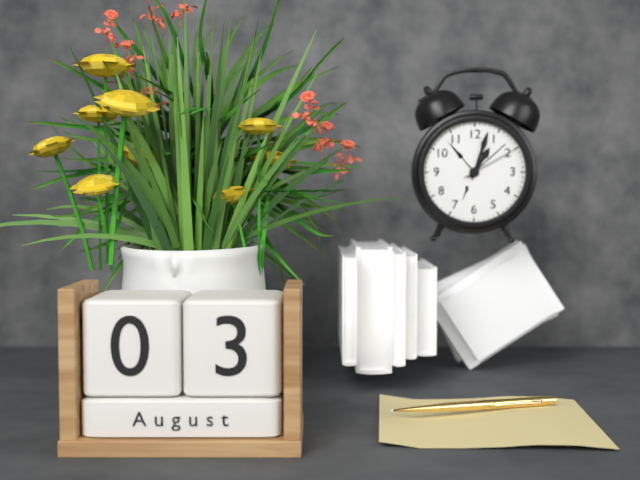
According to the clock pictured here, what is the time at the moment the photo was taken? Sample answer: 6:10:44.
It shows 1:03:10
